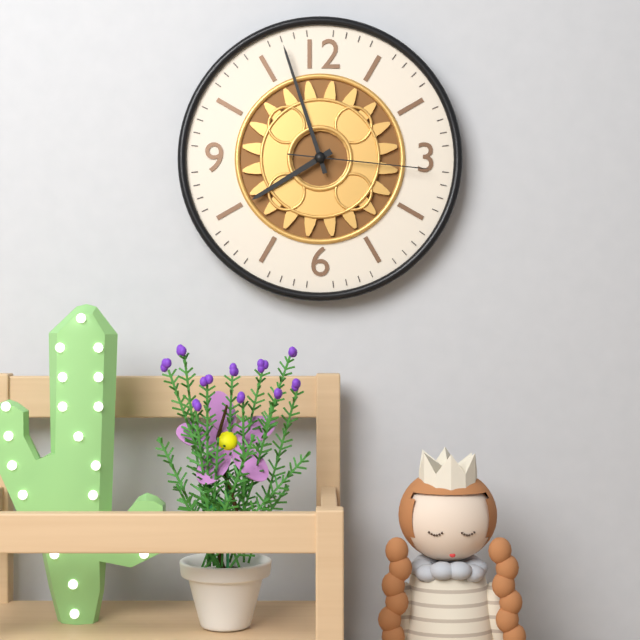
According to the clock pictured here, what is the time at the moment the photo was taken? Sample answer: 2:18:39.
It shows 7:57:16
